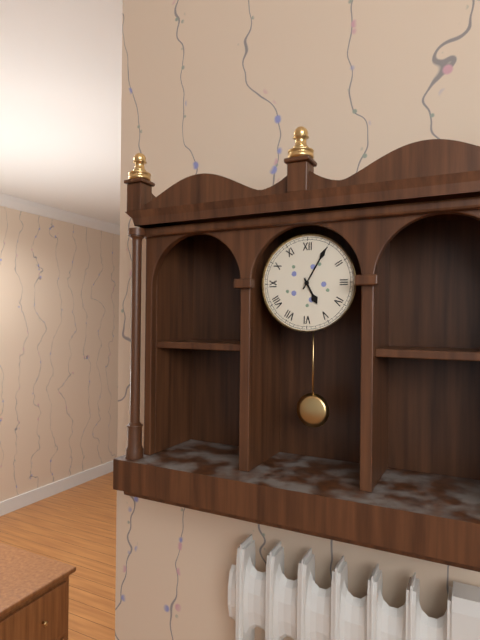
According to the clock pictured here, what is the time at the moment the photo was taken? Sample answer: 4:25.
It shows 5:05
